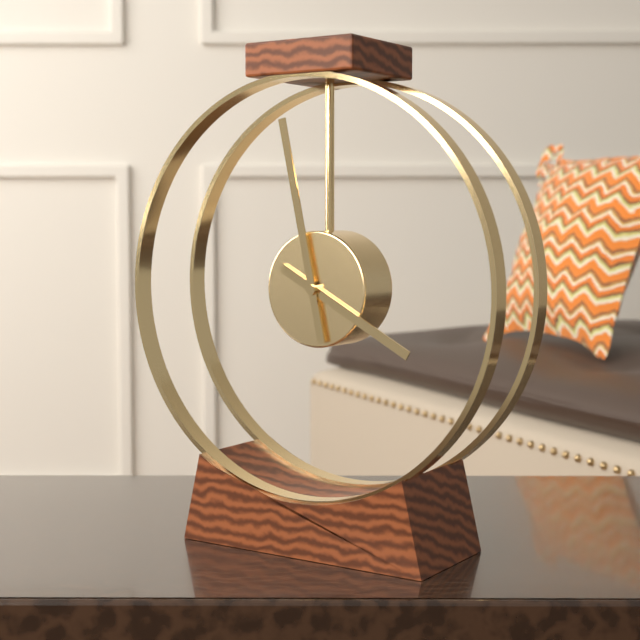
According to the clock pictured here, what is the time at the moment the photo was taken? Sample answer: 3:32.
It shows 3:58
